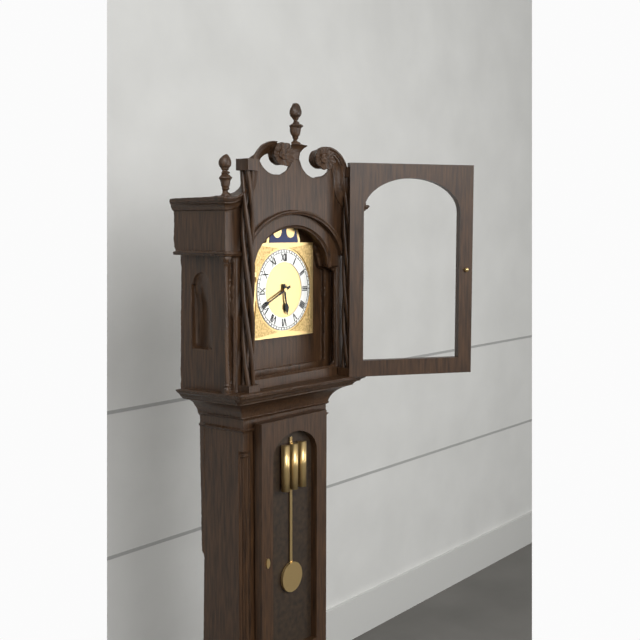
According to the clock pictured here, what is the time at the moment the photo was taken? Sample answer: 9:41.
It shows 5:41
